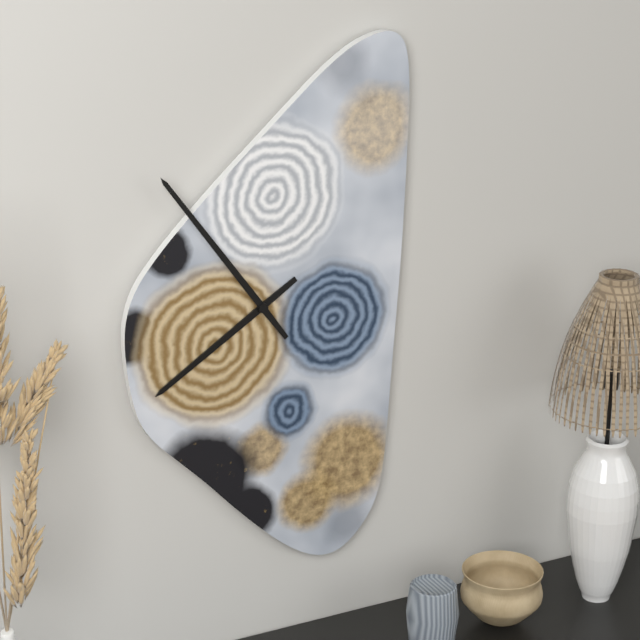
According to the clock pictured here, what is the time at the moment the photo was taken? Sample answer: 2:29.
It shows 7:54
